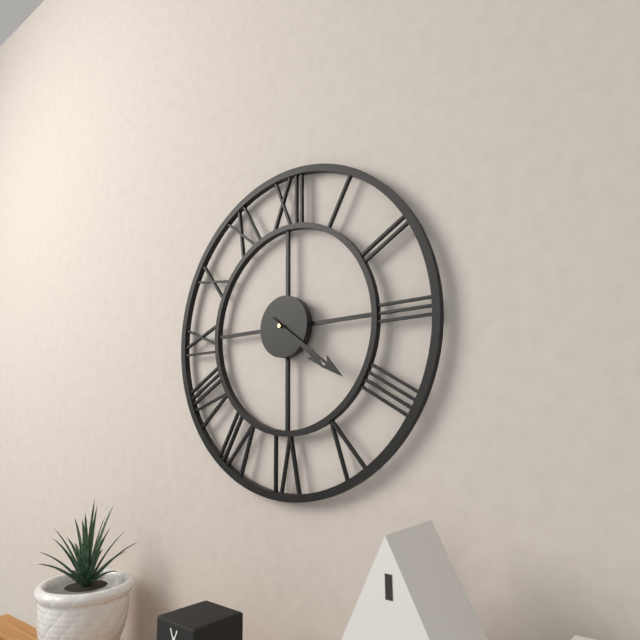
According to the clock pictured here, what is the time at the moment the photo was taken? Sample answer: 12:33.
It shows 4:21
